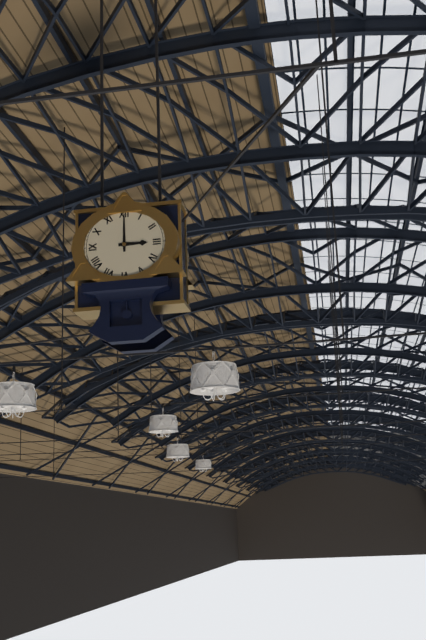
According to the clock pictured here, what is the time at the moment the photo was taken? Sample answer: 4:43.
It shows 3:00
